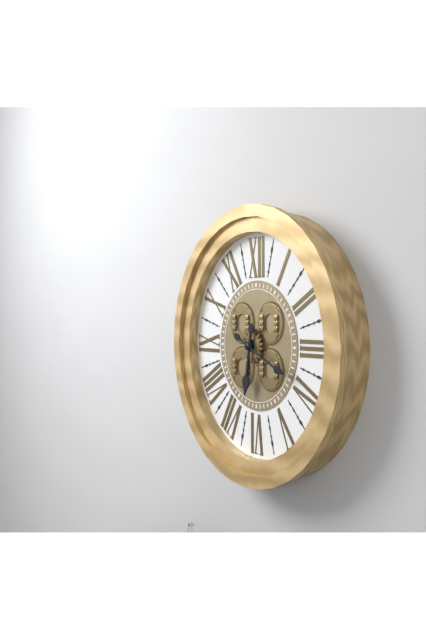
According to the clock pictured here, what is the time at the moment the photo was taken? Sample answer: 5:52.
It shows 6:19
